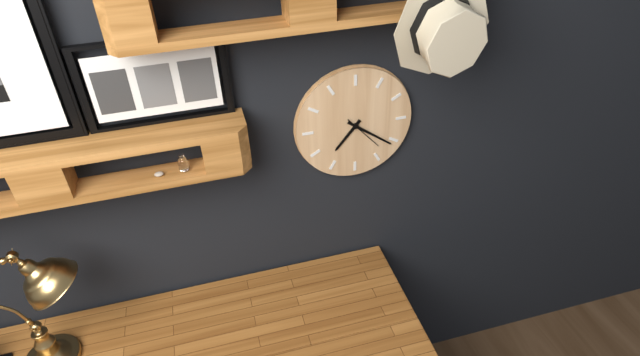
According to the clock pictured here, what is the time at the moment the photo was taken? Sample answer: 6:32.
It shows 7:21
